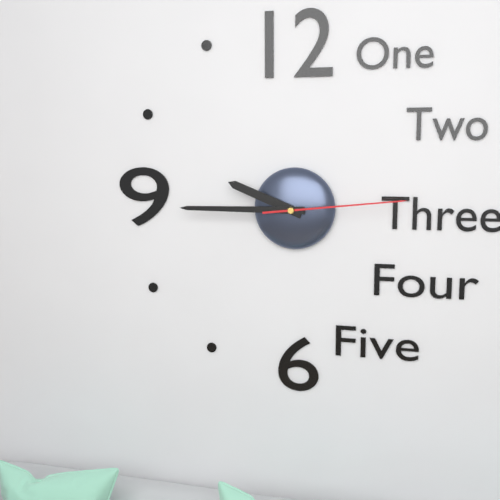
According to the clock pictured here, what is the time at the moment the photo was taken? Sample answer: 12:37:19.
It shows 9:45:14
